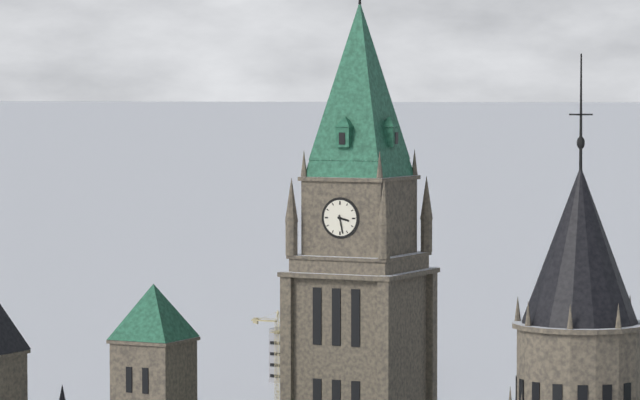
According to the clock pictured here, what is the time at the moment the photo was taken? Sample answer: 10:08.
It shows 3:28
